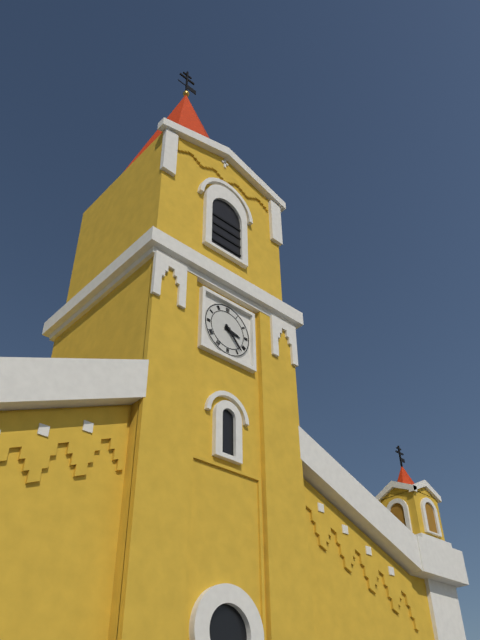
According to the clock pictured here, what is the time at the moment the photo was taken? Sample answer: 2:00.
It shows 3:23
